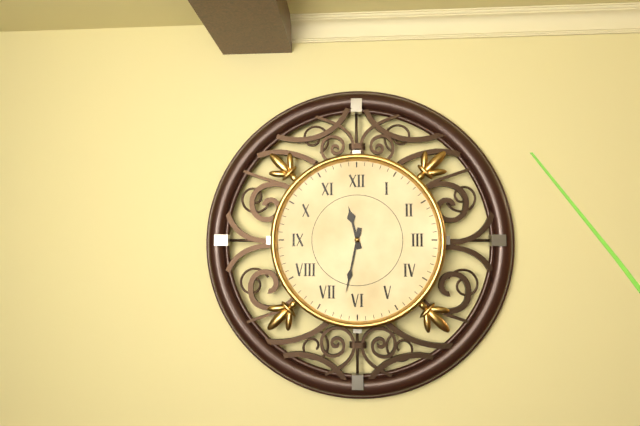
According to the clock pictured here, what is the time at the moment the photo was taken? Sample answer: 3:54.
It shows 11:32
